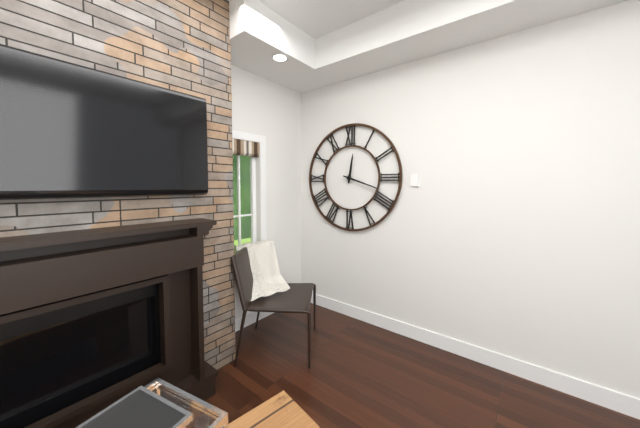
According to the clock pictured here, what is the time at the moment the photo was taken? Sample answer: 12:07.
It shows 12:18
